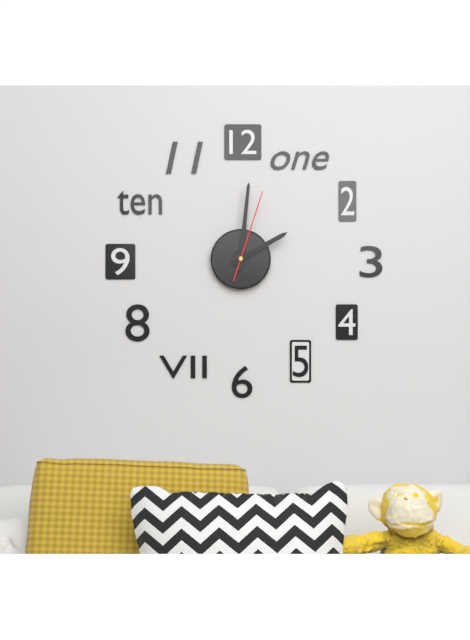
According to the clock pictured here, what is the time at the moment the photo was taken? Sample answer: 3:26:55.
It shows 2:01:03
